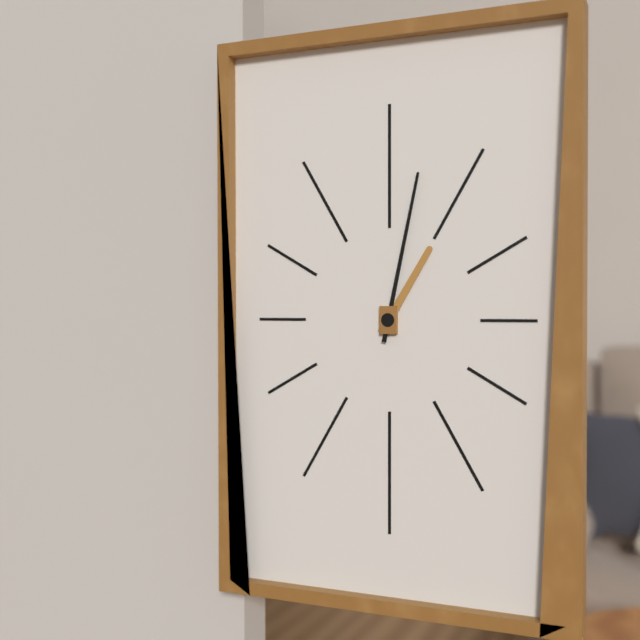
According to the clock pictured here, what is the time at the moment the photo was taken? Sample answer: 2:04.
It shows 1:02
